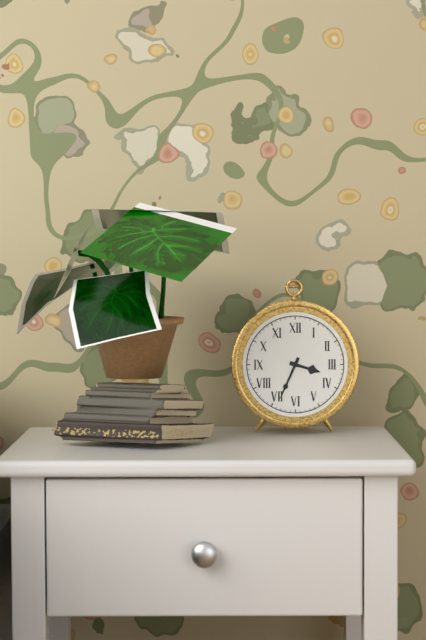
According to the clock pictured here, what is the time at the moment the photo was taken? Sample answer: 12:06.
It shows 3:34
